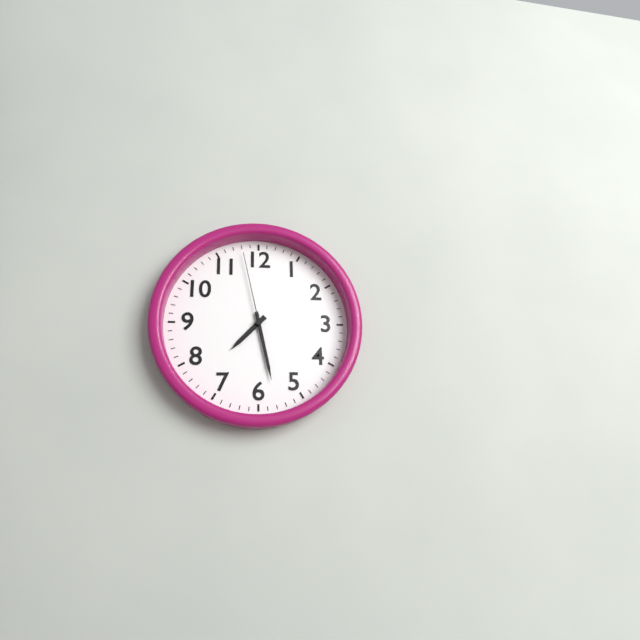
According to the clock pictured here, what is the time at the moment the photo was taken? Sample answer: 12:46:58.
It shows 7:28:58
